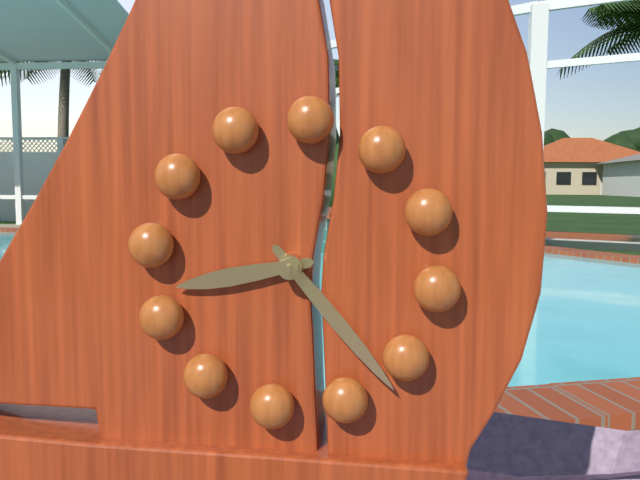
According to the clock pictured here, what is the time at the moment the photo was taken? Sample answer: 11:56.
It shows 8:22
